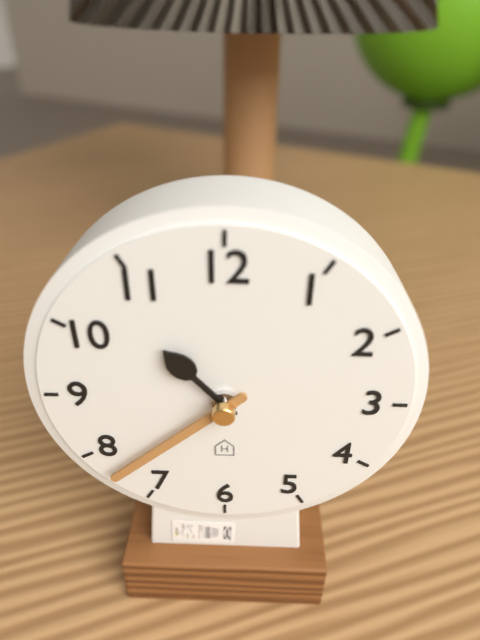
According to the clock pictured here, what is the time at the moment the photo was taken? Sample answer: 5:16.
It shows 10:38
